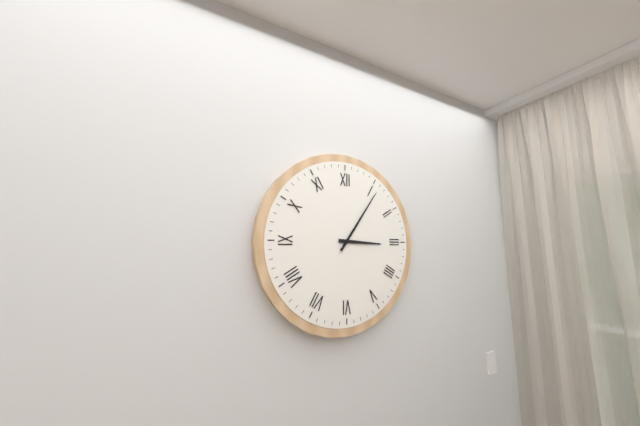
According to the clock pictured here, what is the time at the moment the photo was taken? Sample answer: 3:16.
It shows 3:06
